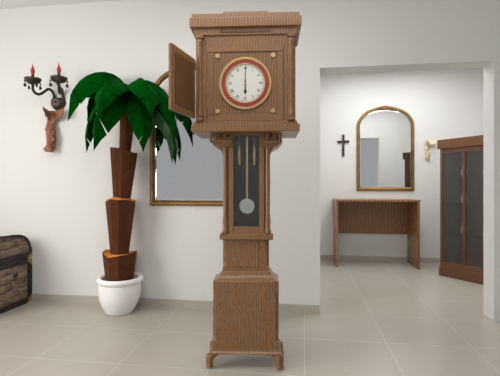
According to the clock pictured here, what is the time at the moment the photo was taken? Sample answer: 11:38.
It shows 6:00
